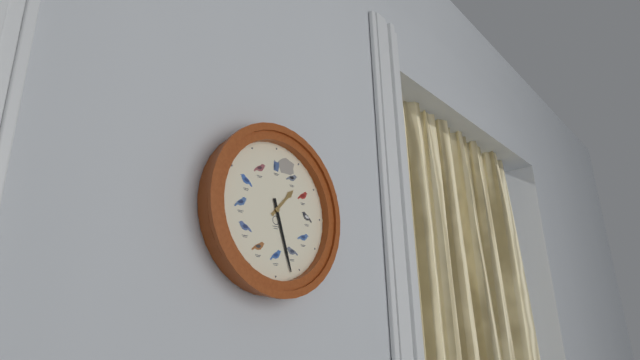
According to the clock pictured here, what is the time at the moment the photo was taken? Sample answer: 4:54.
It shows 1:27
